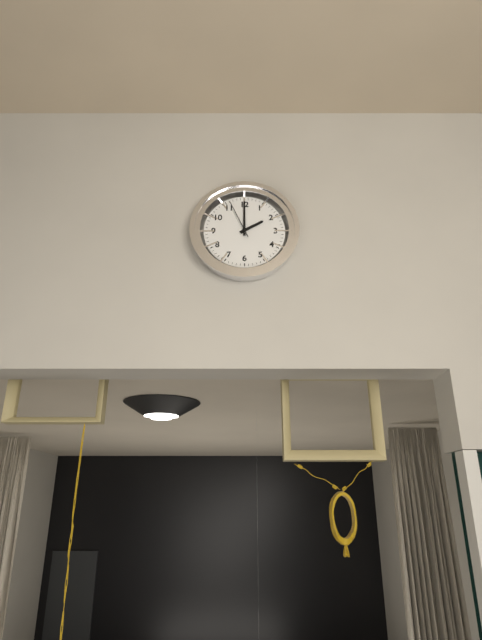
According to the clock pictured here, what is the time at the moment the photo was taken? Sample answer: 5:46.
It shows 2:00
